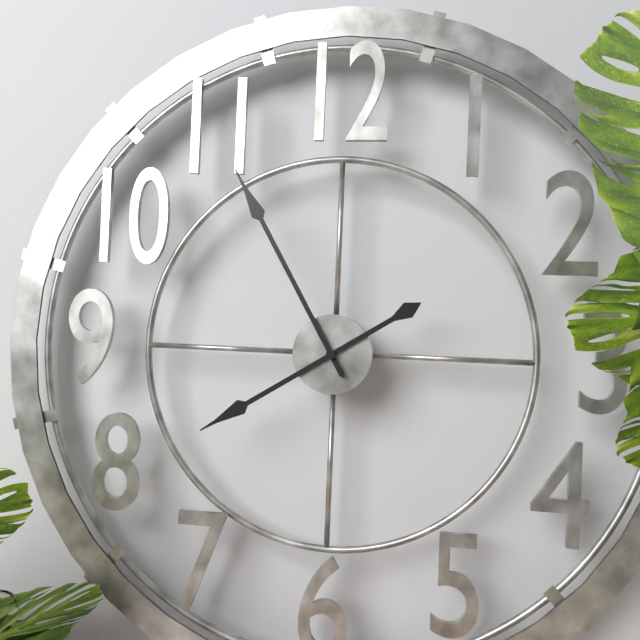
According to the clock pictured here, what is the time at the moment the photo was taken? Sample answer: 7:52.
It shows 7:55
